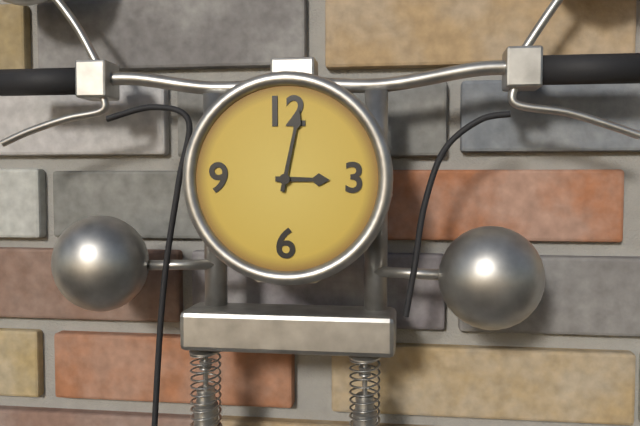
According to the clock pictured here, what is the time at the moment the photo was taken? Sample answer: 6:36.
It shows 3:02
